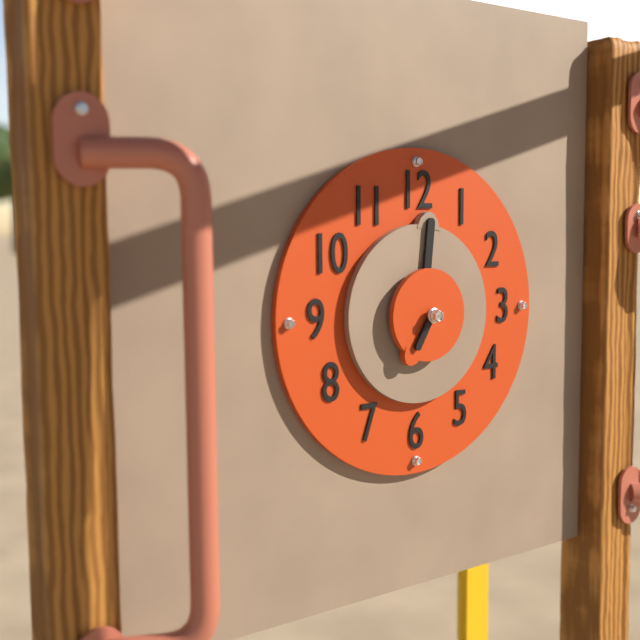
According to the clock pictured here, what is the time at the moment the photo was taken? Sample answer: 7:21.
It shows 7:01
